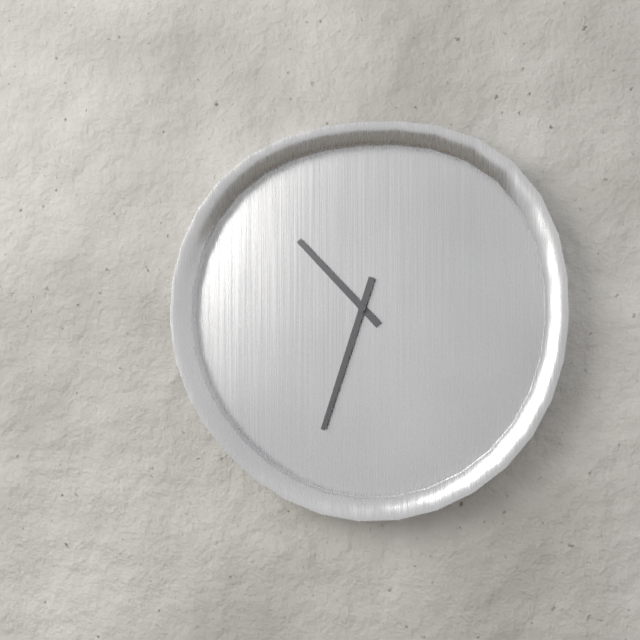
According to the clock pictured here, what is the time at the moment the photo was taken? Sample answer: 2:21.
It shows 10:33
